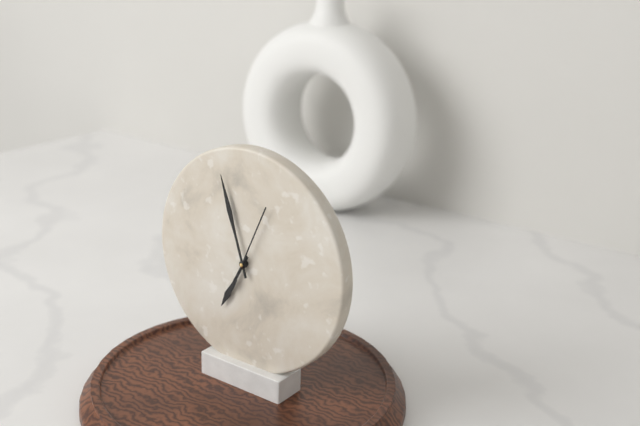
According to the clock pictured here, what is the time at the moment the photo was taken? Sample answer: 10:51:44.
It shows 6:57:04
